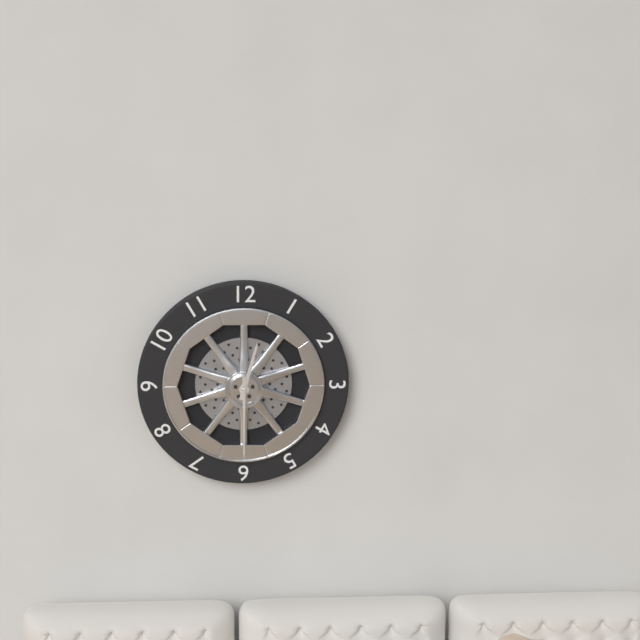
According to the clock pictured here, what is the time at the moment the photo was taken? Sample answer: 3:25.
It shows 12:30
